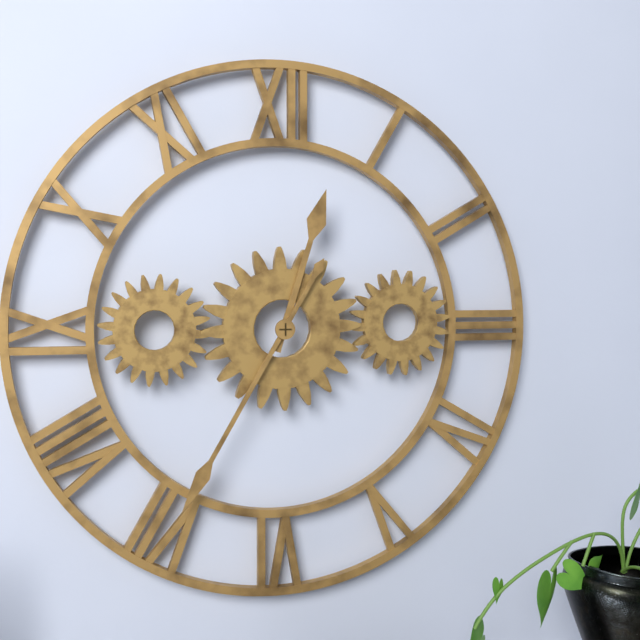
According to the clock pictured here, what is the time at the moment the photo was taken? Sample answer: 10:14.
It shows 12:35
